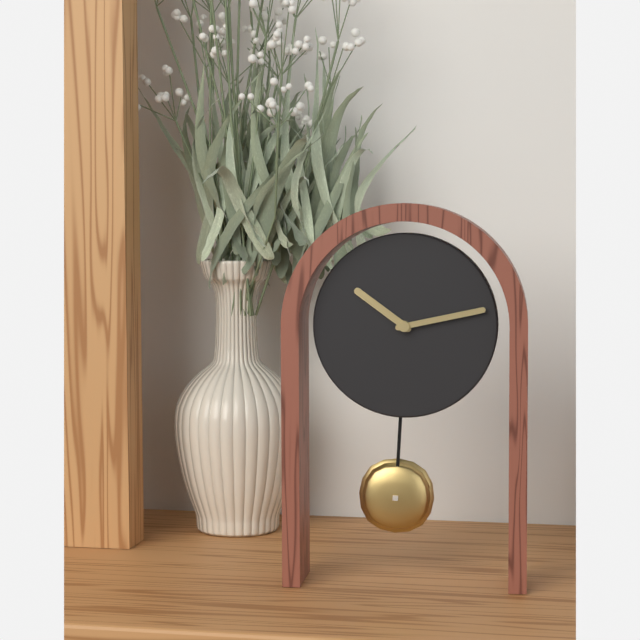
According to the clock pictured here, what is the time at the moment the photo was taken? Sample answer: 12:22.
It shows 10:13
